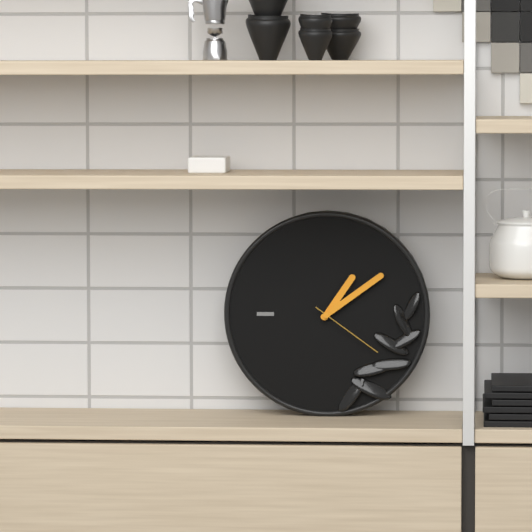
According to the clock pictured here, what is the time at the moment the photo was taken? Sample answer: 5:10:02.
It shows 1:09:21
